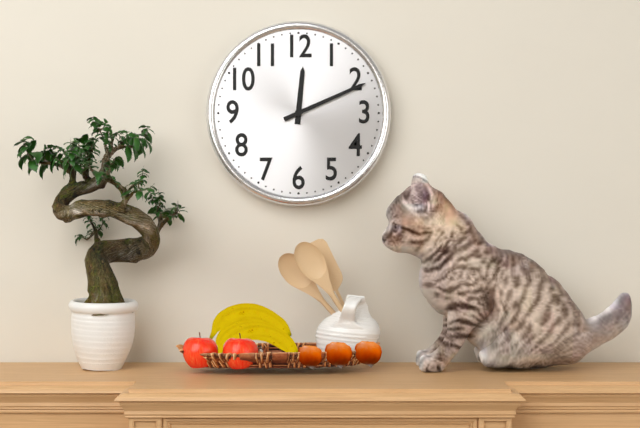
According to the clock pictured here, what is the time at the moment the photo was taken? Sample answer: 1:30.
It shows 12:11
